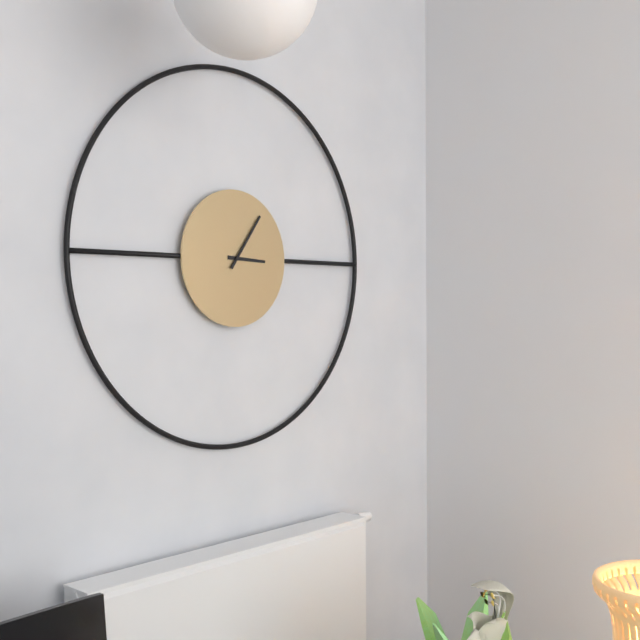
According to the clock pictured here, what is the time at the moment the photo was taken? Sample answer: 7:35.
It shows 3:06
